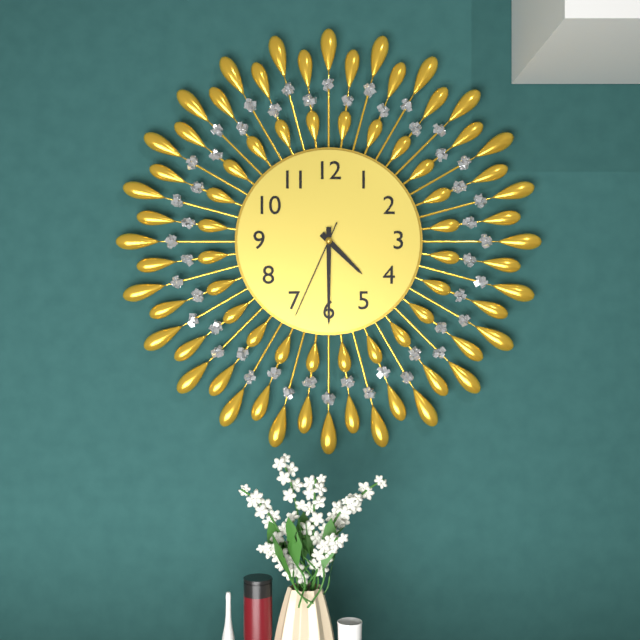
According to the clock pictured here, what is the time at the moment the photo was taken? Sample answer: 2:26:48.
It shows 4:30:34
